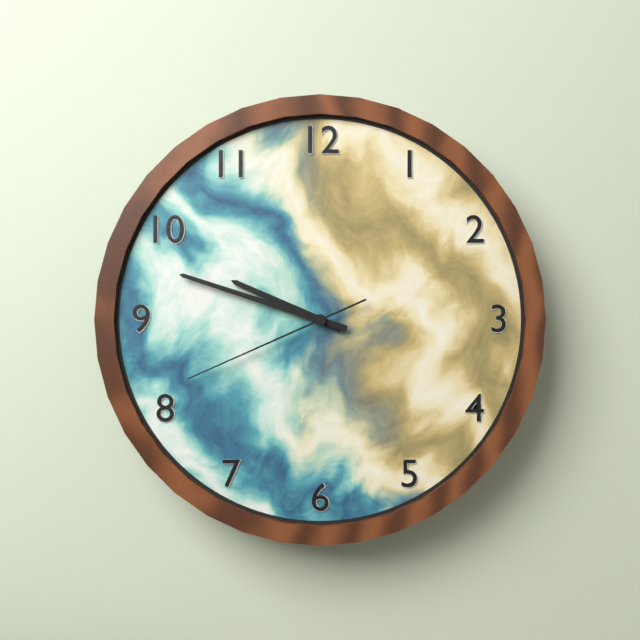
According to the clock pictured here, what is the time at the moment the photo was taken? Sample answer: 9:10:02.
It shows 9:48:41
